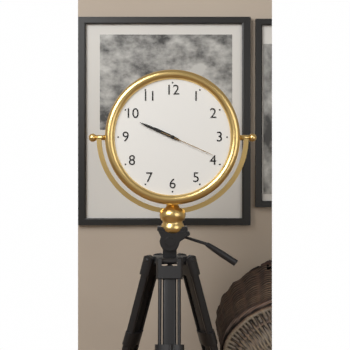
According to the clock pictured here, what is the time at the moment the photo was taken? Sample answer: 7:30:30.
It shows 9:49:19
